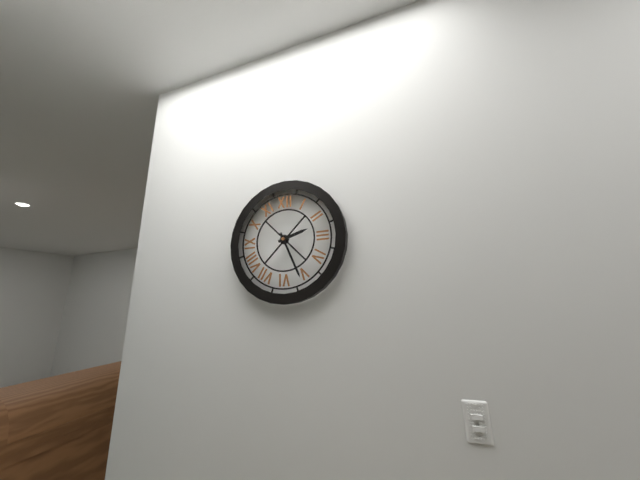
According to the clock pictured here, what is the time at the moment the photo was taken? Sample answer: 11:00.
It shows 2:26
